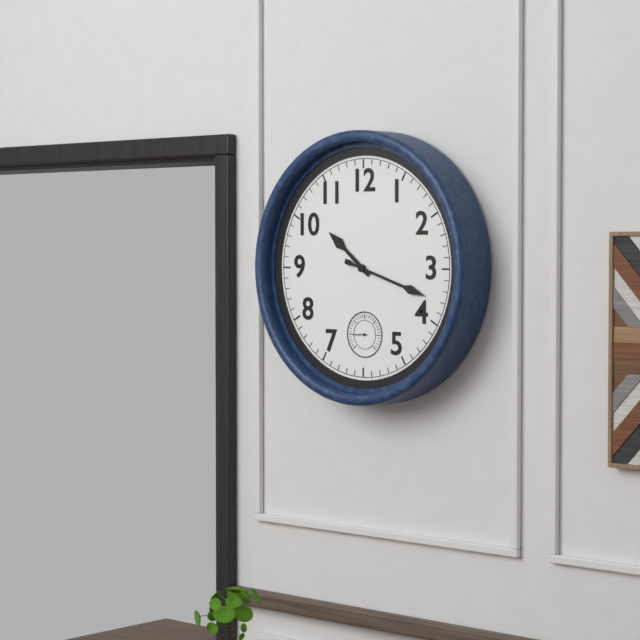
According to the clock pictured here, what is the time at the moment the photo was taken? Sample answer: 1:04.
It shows 10:18
